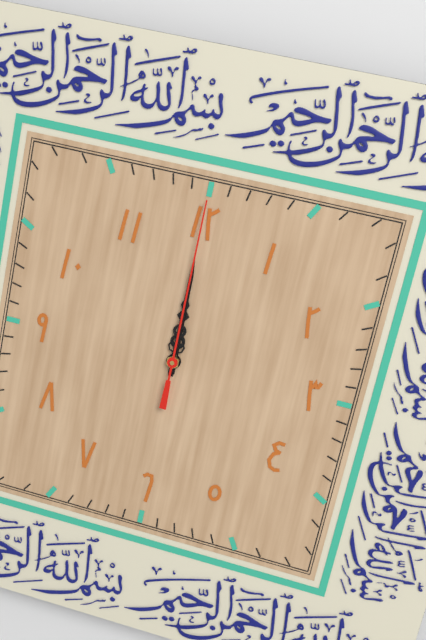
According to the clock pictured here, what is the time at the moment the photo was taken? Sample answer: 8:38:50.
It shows 12:00:00
